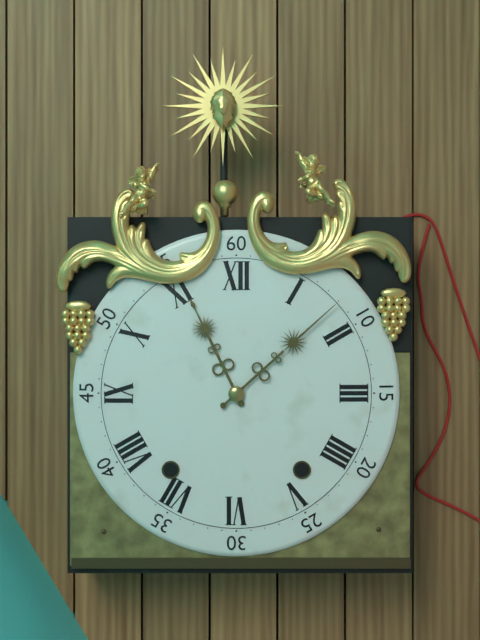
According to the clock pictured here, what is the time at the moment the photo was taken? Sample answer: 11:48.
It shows 11:08
